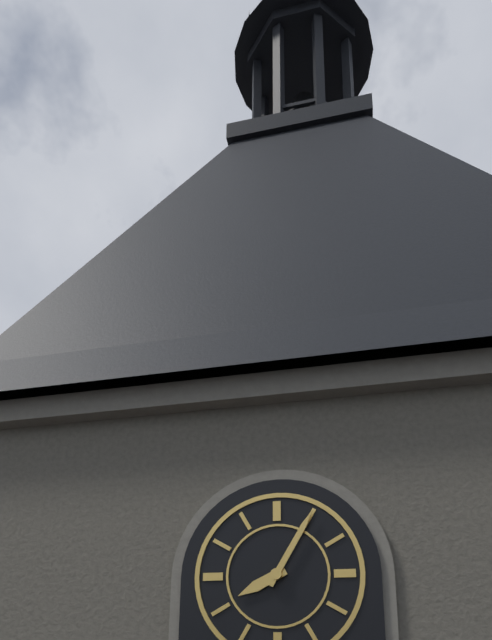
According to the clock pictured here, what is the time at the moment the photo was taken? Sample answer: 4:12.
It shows 8:05
